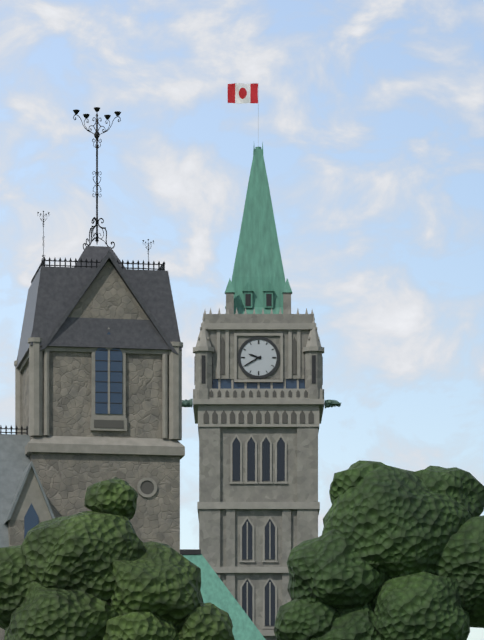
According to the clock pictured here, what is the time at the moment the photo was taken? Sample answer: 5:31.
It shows 9:40
